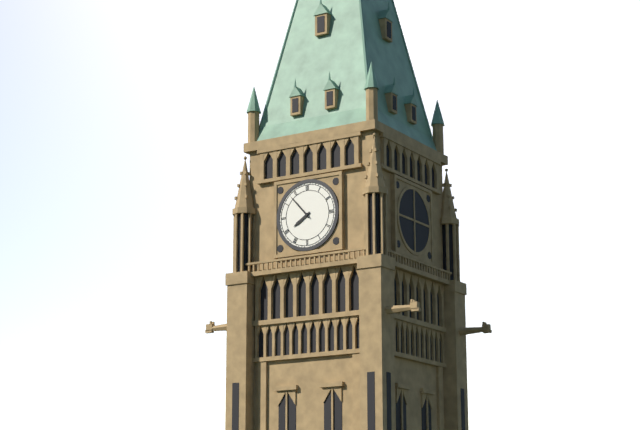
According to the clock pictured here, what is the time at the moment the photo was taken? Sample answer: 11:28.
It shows 7:53
